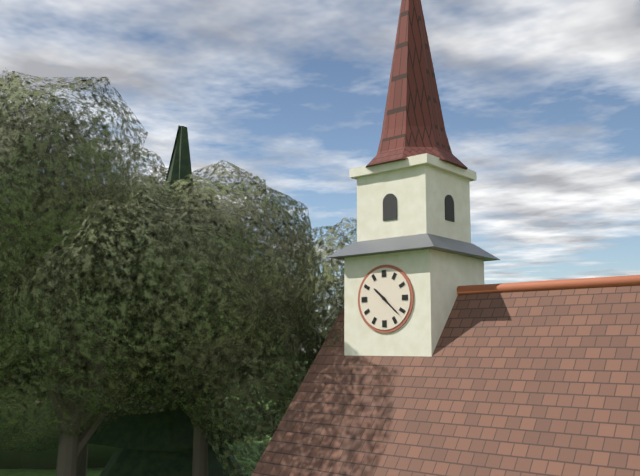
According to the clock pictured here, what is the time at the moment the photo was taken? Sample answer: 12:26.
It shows 10:22
